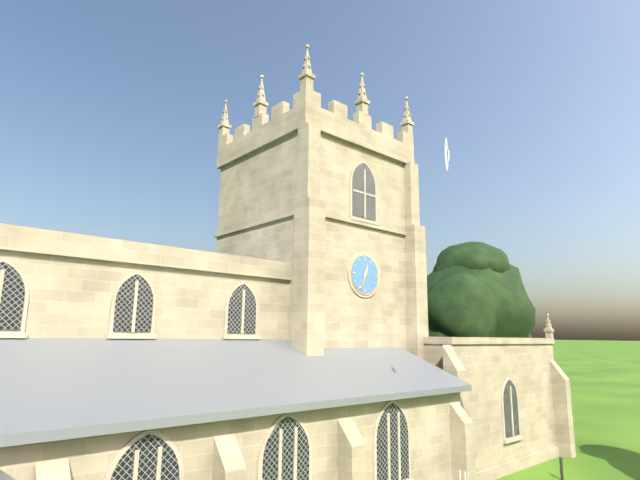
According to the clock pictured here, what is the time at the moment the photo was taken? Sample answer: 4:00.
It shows 12:34
